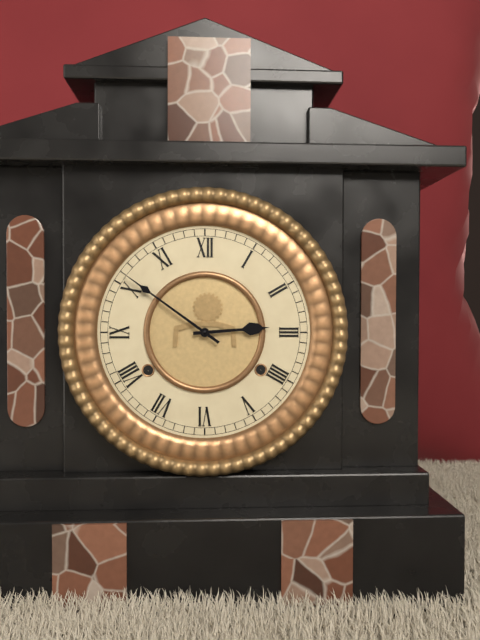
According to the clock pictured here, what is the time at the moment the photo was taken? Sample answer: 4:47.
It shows 2:51
